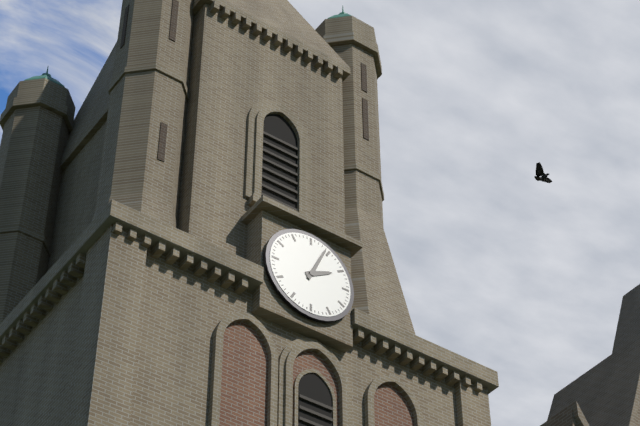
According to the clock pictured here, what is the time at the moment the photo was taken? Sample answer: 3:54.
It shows 2:04
